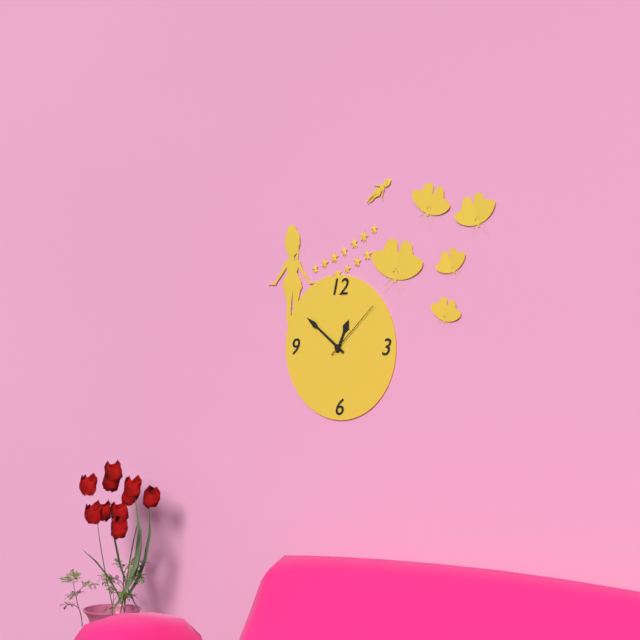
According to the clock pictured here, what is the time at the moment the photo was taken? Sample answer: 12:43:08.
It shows 12:51:08
